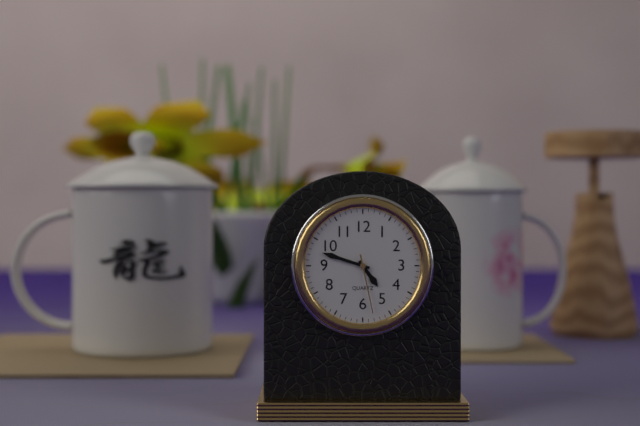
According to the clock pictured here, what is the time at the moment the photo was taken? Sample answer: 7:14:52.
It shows 4:48:28
